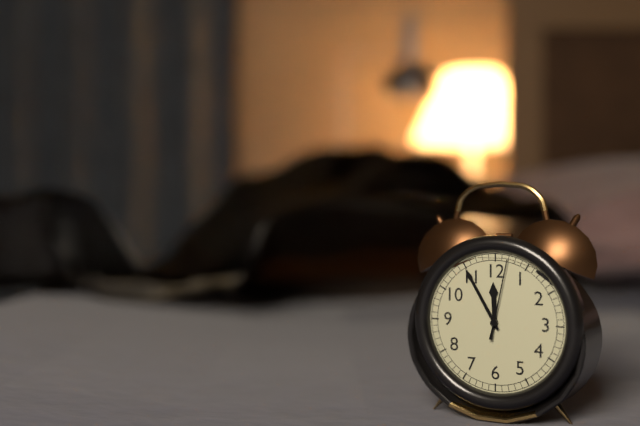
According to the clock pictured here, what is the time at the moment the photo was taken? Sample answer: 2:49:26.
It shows 11:55:02
